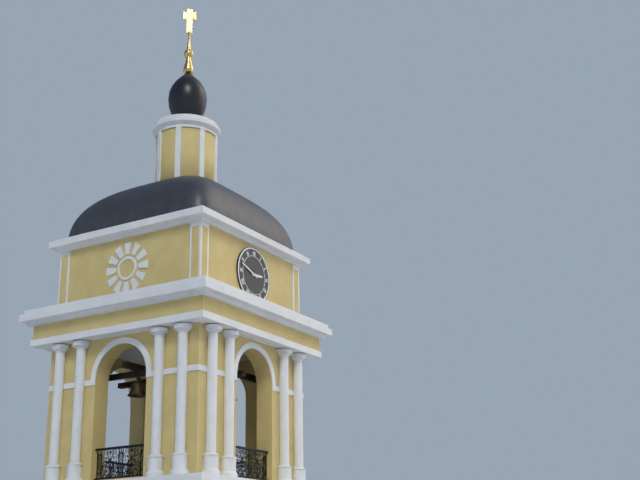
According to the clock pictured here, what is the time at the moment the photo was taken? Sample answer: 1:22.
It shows 2:48
